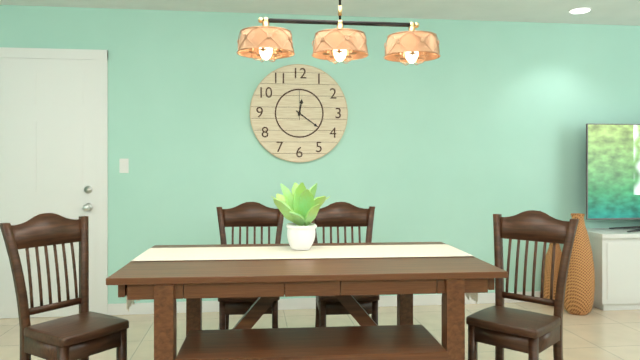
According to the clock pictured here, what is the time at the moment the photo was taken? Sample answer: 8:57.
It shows 12:21
